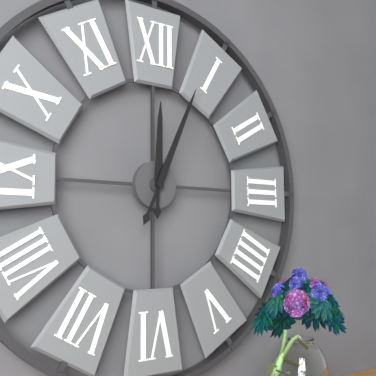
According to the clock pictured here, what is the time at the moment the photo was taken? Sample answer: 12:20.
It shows 12:04
